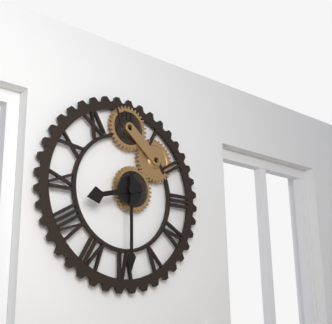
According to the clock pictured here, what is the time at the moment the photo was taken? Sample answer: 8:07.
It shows 8:30
